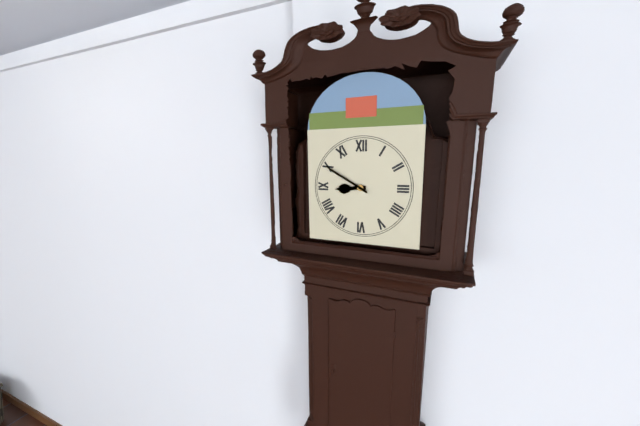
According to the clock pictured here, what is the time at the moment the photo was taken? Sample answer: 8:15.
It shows 8:50
